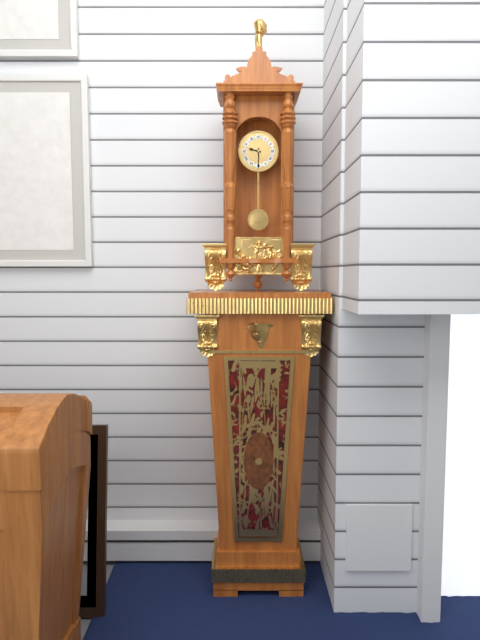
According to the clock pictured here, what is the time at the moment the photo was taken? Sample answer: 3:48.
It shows 9:30
